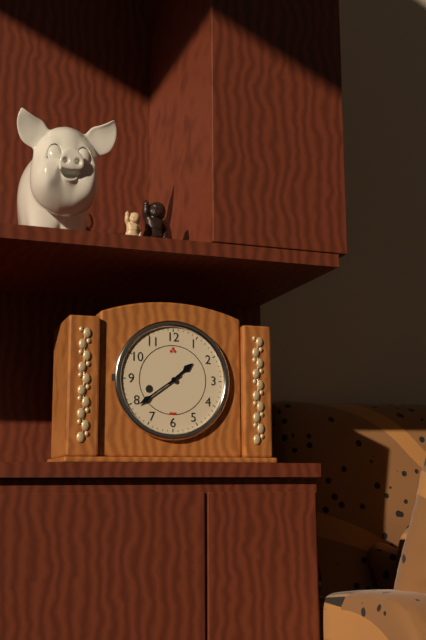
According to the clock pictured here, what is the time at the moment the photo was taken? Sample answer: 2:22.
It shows 1:39
